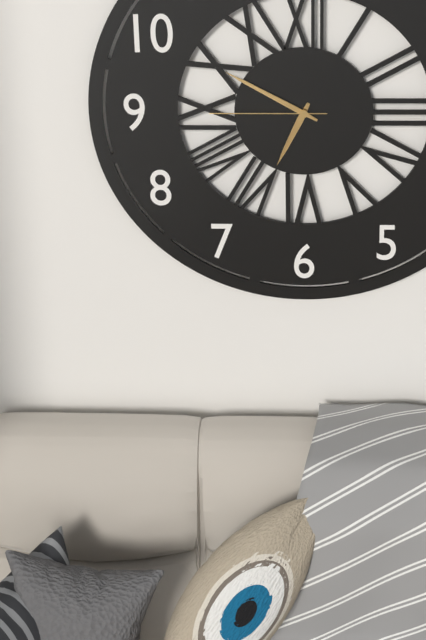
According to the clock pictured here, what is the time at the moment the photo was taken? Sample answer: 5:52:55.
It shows 6:50:45
